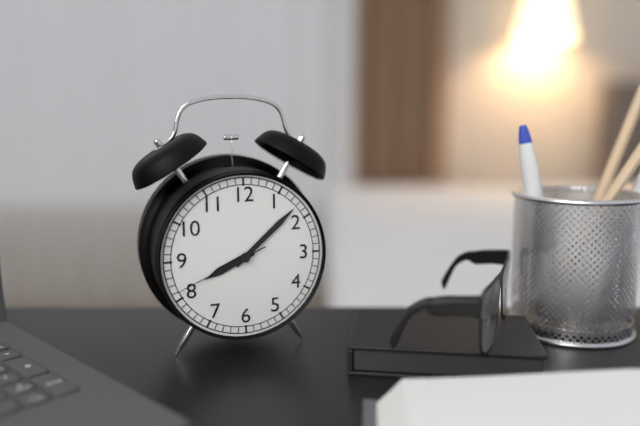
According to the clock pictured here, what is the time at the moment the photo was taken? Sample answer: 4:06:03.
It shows 8:08:41
